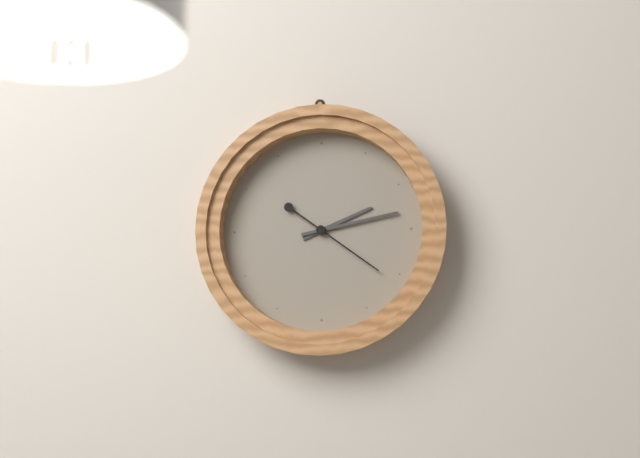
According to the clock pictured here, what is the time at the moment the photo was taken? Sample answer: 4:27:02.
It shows 2:13:21
